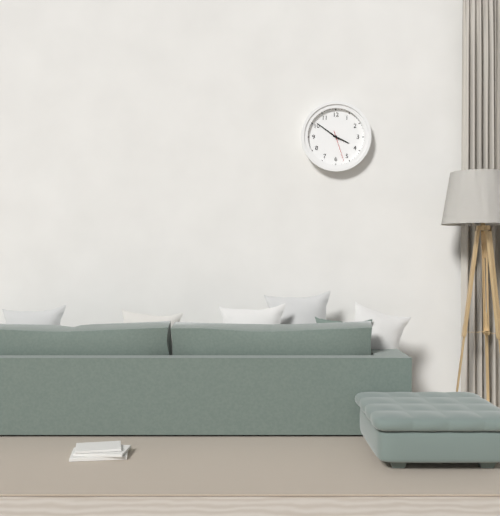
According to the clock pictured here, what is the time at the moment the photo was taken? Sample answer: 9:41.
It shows 3:51
